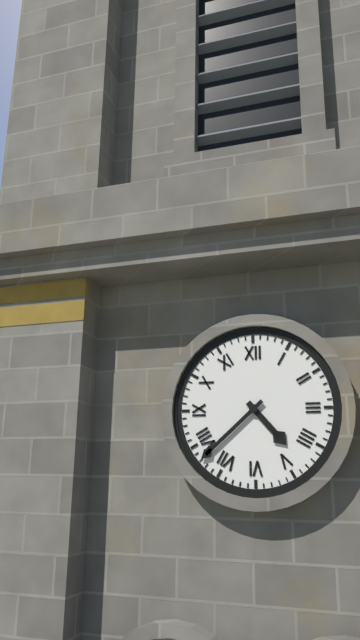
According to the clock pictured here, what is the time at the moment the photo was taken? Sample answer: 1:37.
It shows 4:38
